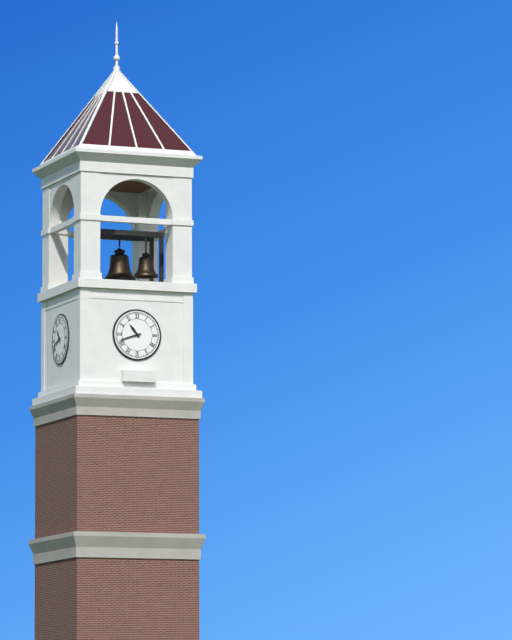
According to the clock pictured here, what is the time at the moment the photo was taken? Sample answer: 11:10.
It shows 10:42
